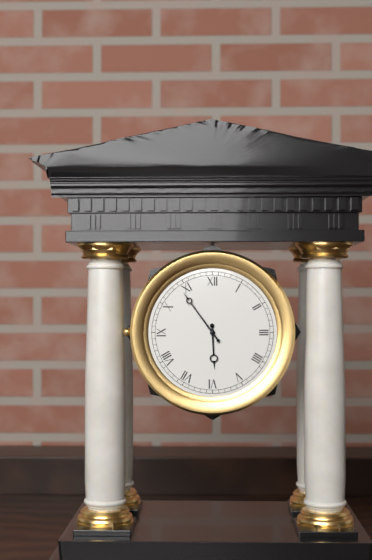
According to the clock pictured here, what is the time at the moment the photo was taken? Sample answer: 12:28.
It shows 5:54
